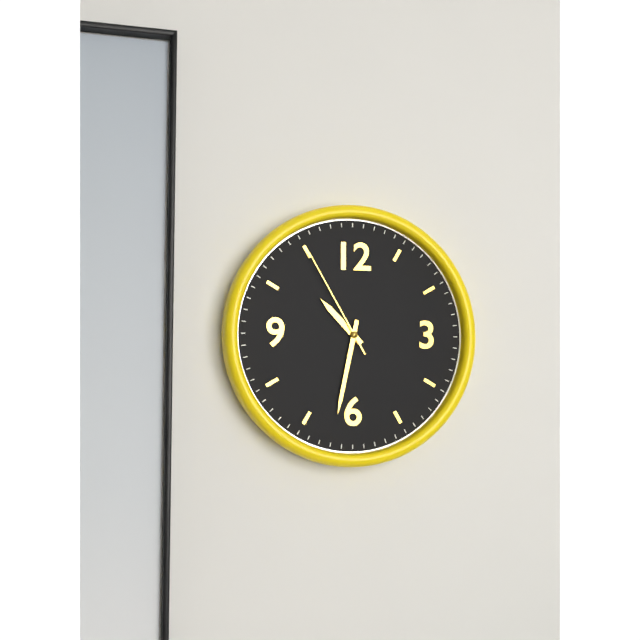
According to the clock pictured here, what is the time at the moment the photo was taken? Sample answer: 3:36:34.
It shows 10:32:55
